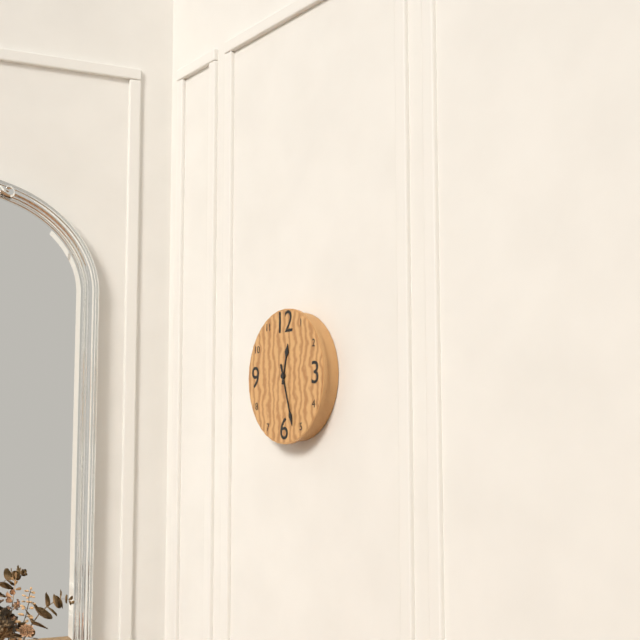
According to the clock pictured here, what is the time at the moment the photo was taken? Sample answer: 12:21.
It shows 12:27
